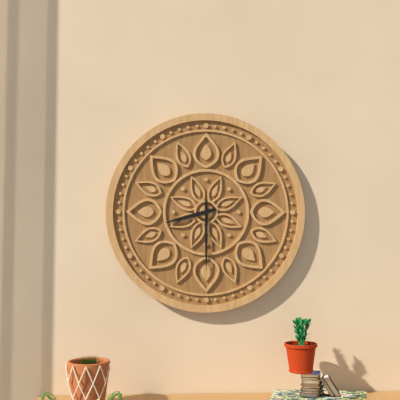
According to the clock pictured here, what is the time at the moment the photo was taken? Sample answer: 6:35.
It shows 8:30
